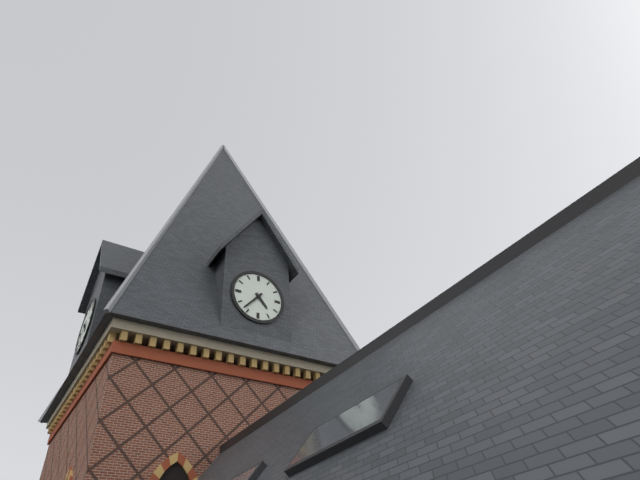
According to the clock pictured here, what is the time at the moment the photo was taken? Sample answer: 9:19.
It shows 4:37
